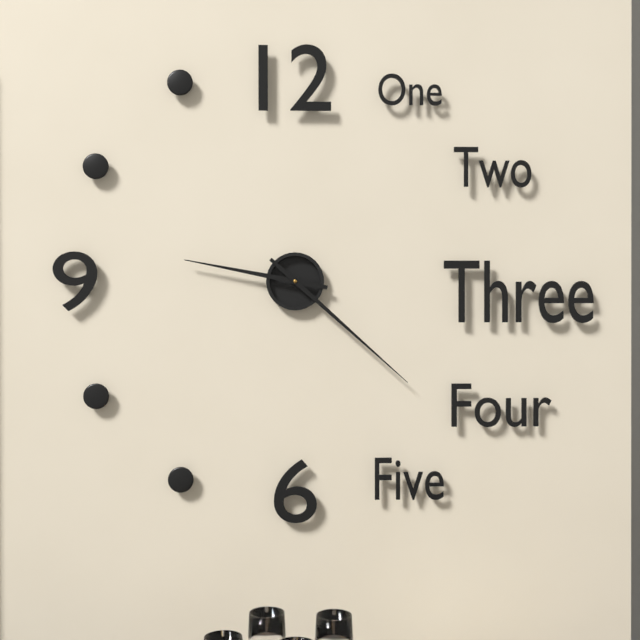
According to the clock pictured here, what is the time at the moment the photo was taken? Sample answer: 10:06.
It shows 9:22
